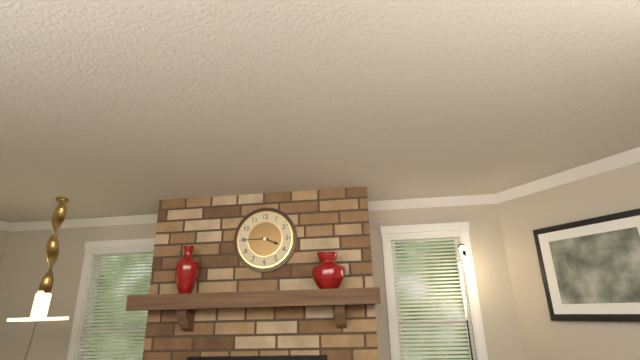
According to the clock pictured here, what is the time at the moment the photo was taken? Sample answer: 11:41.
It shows 3:45
